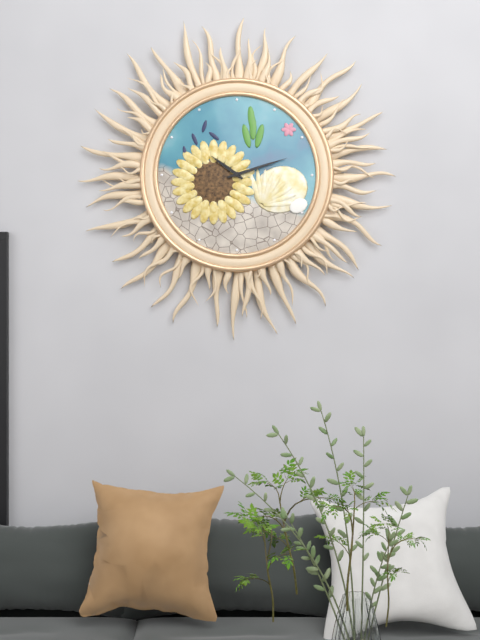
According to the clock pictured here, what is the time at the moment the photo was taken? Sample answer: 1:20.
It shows 10:12
